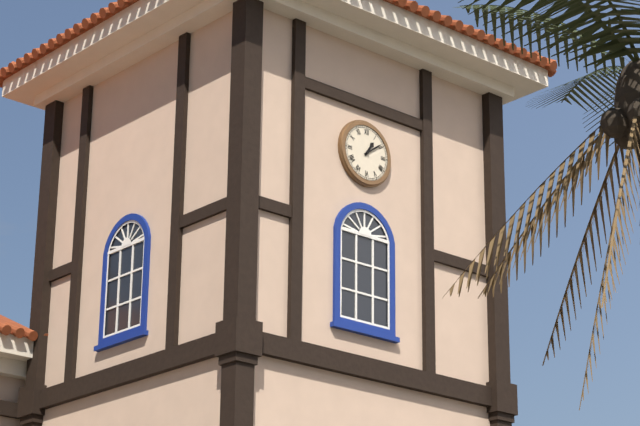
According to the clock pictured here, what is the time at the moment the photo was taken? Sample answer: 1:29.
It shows 1:09
